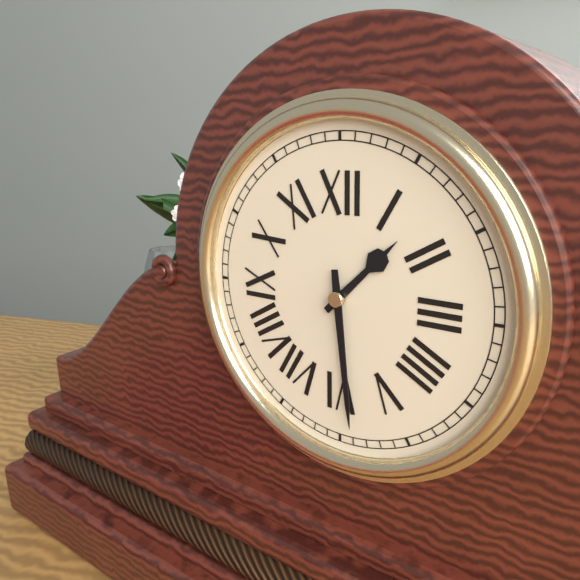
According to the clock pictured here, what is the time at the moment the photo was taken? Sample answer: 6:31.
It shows 1:29
